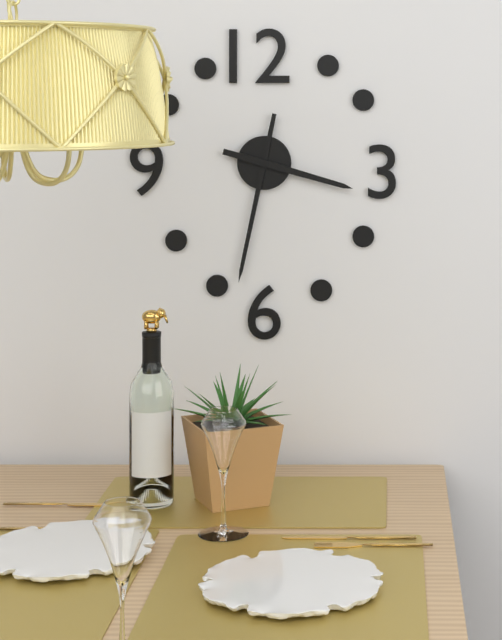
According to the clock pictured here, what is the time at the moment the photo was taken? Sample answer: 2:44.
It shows 3:32
